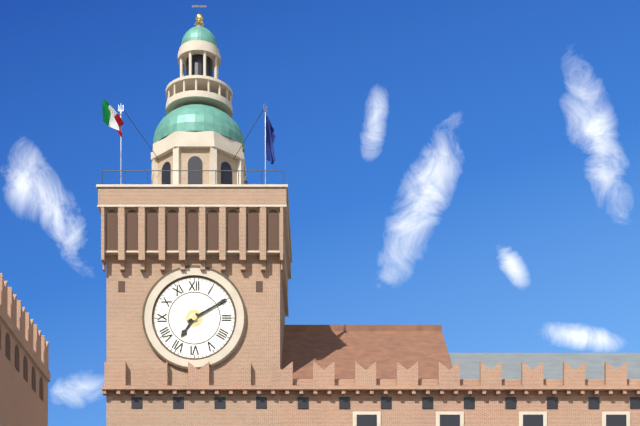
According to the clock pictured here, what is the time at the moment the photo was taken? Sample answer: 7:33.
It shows 7:10
